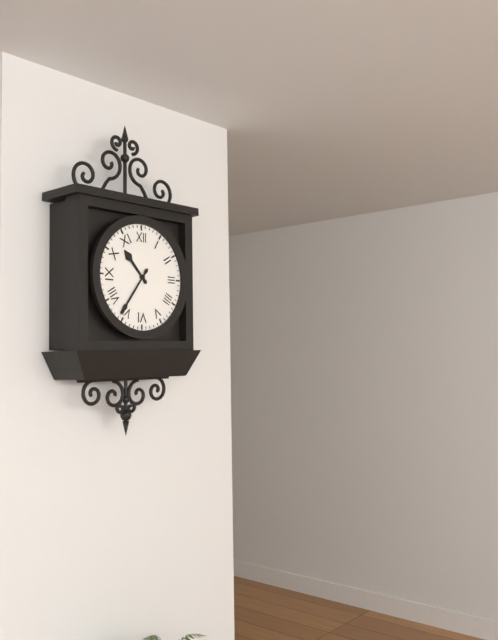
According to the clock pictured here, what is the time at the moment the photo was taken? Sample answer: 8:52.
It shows 10:36
